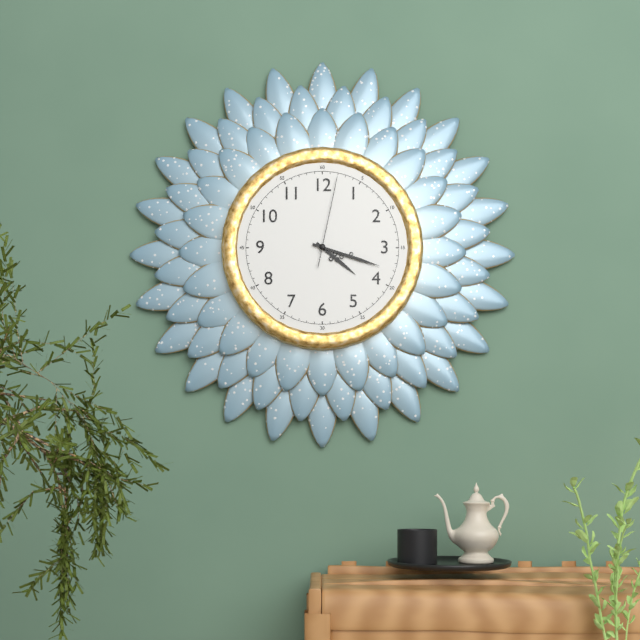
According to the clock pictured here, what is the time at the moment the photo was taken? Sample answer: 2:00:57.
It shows 4:18:02
